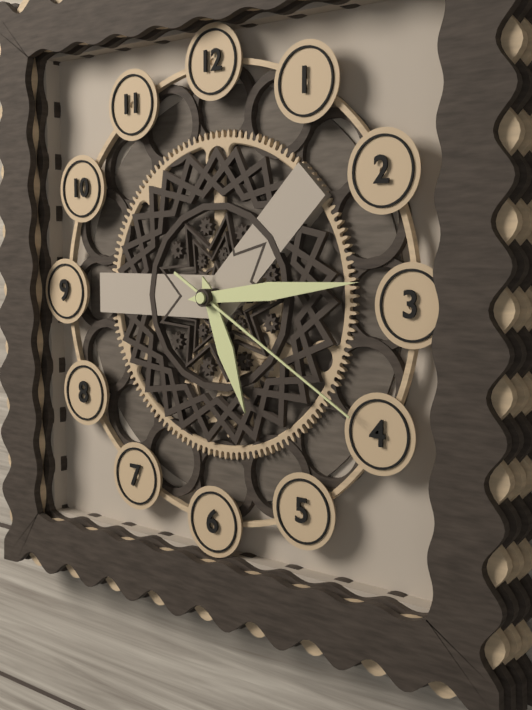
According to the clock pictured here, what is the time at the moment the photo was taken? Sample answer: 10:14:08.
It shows 5:14:20
